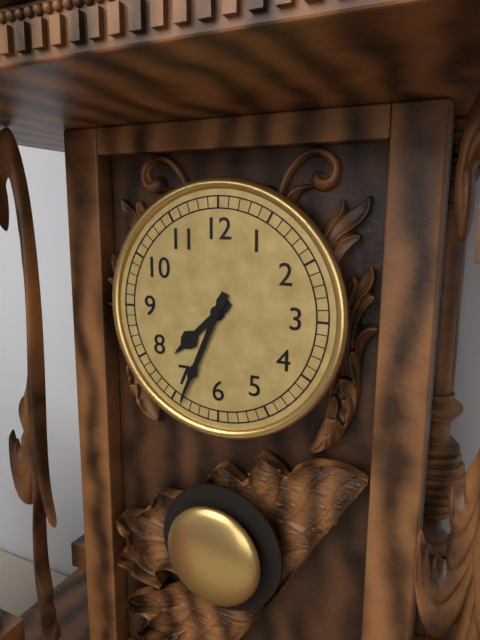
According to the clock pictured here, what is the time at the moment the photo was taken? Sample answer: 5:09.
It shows 7:34
